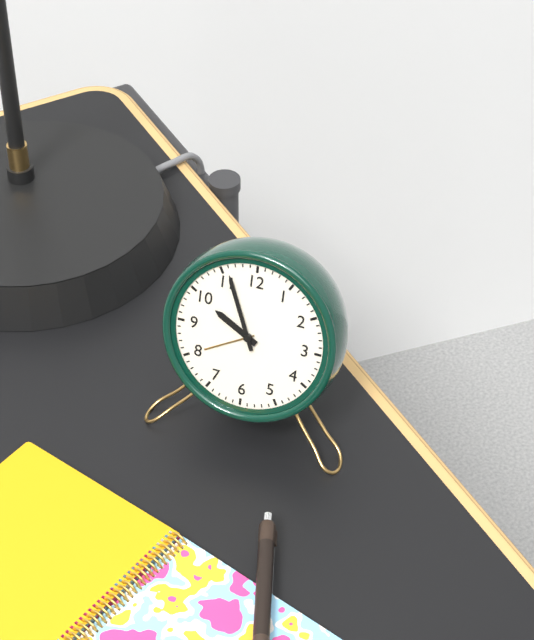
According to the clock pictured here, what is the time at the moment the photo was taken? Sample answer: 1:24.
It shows 9:56
